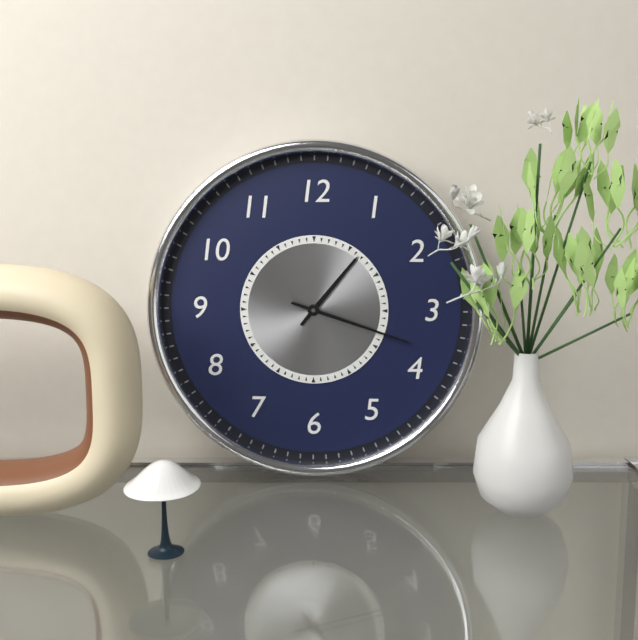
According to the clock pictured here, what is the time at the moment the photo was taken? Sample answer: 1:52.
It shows 1:18
